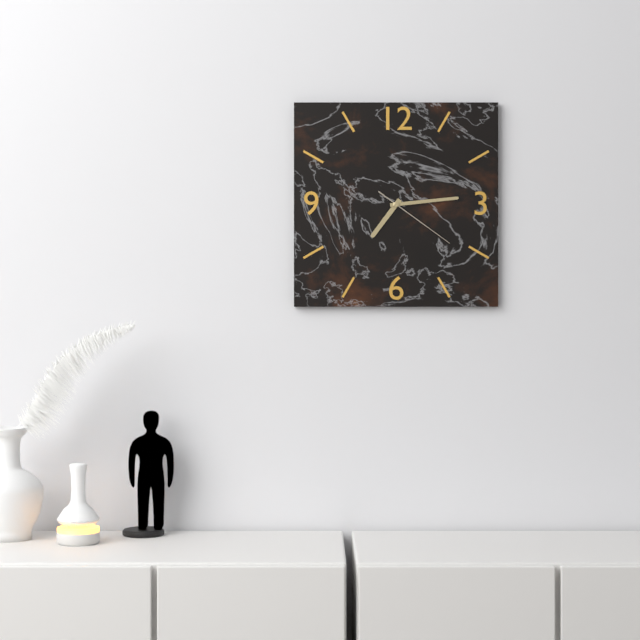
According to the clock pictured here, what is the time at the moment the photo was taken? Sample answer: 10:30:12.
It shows 7:14:21
